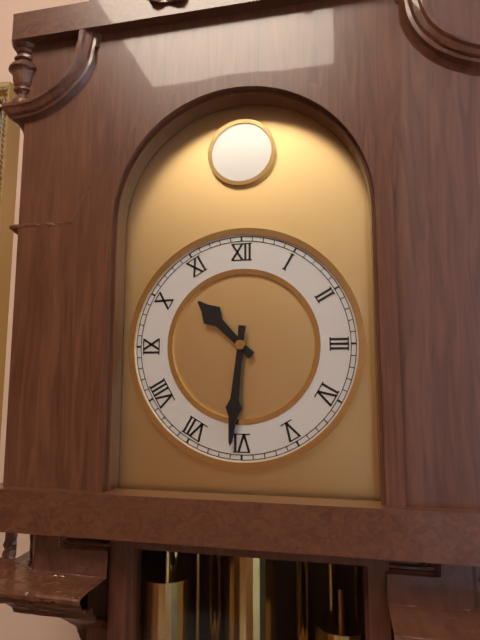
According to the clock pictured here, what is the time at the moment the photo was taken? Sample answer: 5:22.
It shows 10:31
